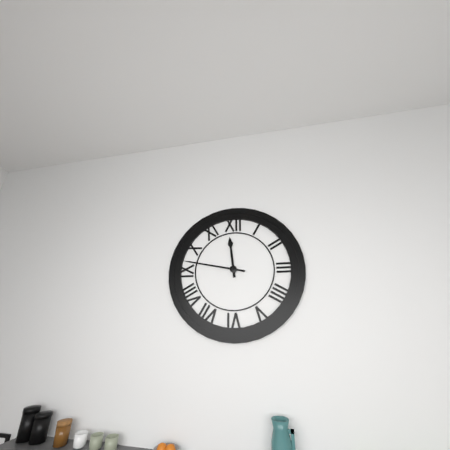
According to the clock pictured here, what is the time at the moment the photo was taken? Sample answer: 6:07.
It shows 11:47
